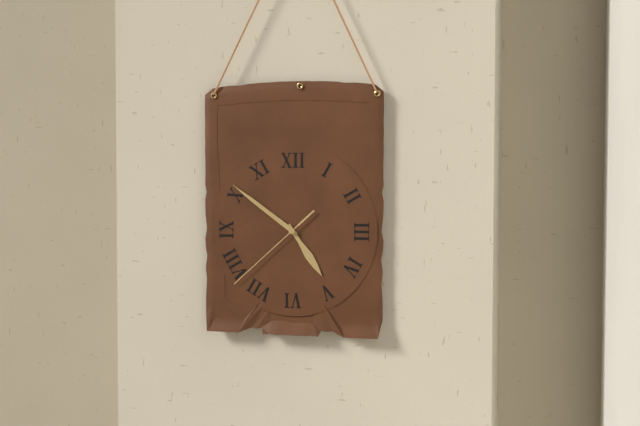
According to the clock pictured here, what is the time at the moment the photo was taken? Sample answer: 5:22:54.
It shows 4:51:38
